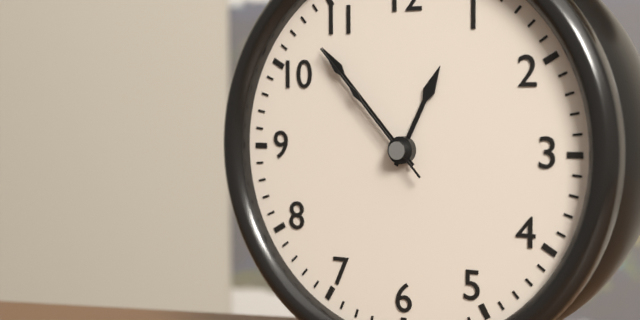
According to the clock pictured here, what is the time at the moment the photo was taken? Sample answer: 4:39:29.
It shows 12:53:53
